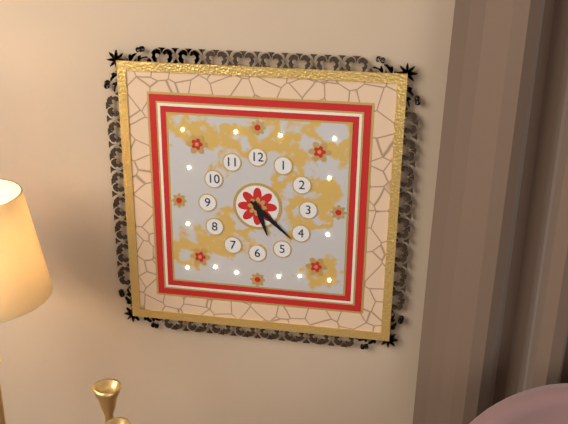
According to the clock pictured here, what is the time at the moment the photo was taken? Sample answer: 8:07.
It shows 5:22
